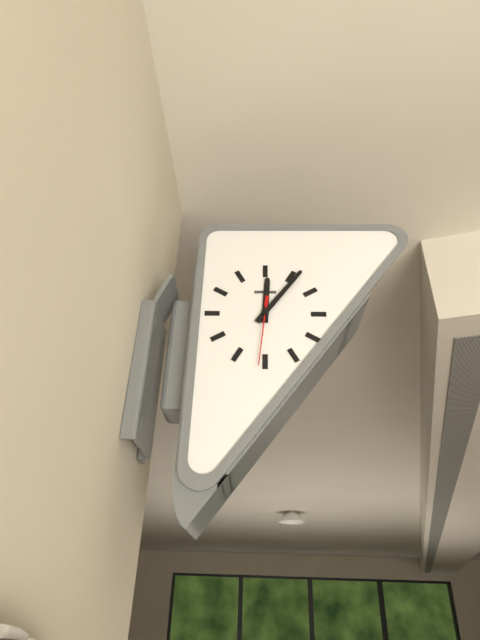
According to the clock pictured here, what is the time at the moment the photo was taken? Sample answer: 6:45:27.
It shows 12:06:31
